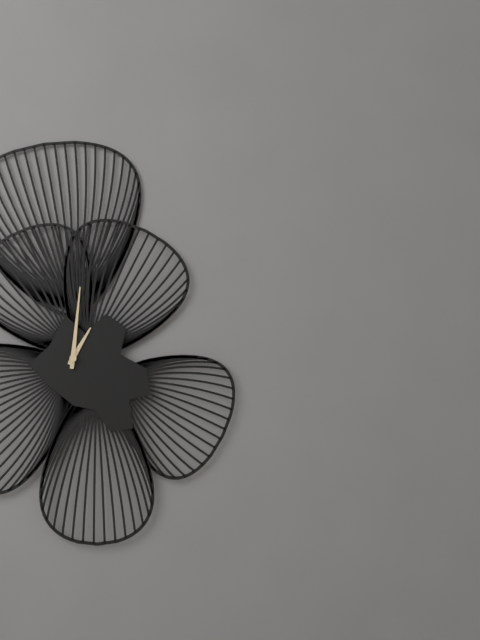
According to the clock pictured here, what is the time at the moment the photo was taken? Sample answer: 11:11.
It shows 1:01
